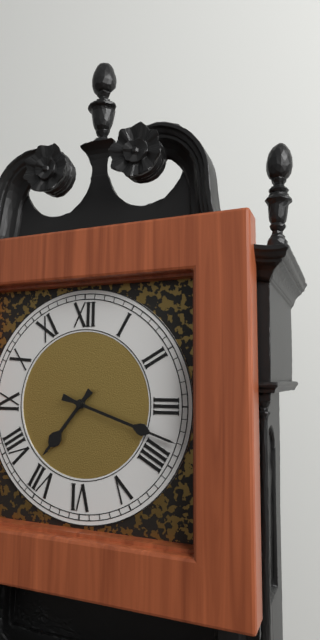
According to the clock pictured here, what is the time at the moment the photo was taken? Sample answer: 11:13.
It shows 7:18
